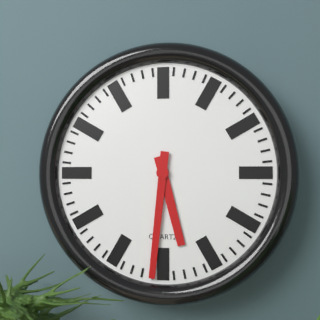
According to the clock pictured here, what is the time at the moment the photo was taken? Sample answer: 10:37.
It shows 5:31
